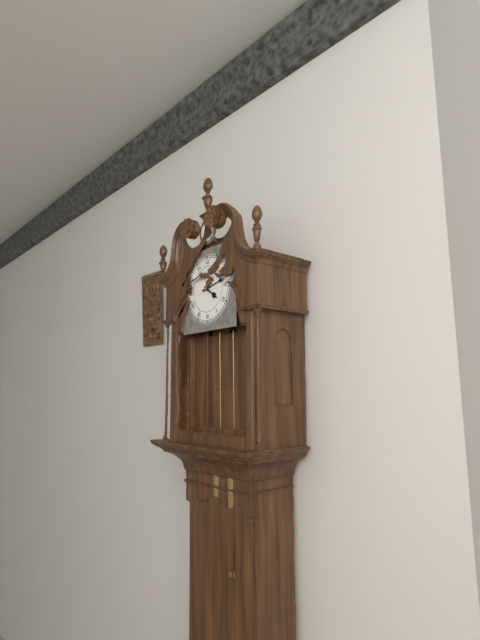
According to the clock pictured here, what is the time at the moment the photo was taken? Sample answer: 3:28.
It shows 4:13
